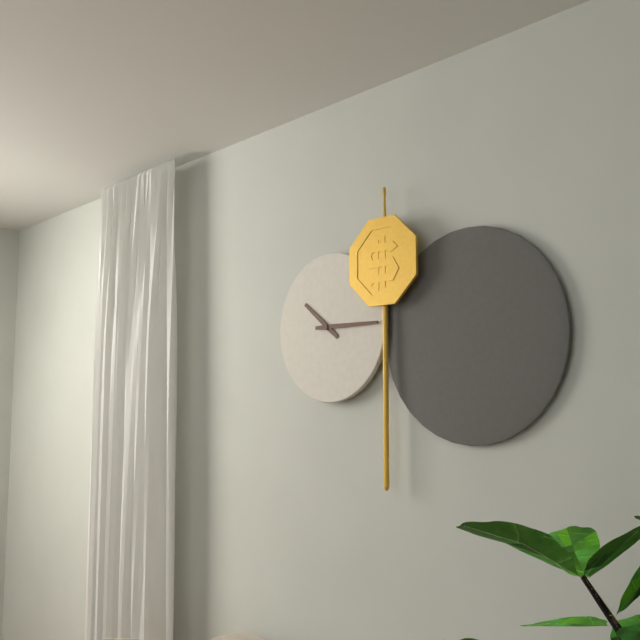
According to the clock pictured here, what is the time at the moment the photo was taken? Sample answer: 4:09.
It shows 10:15
